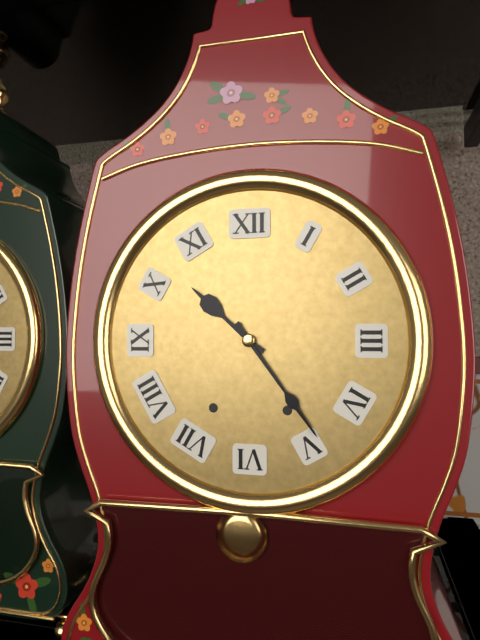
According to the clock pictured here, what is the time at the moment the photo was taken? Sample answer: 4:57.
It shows 10:24
